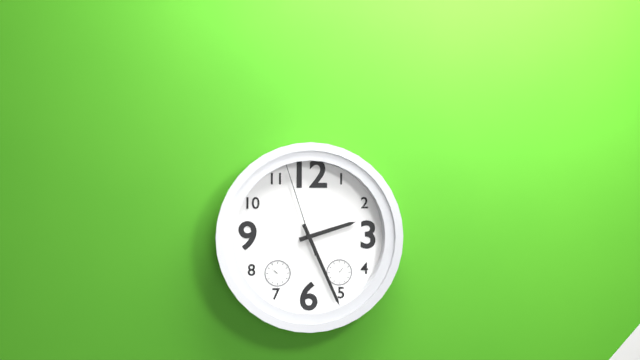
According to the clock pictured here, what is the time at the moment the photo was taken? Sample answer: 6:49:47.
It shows 2:26:57
